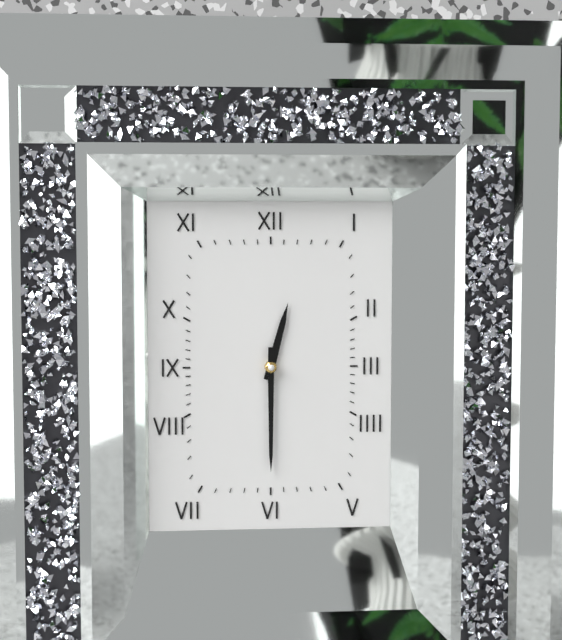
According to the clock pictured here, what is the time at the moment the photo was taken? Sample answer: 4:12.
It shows 12:30
